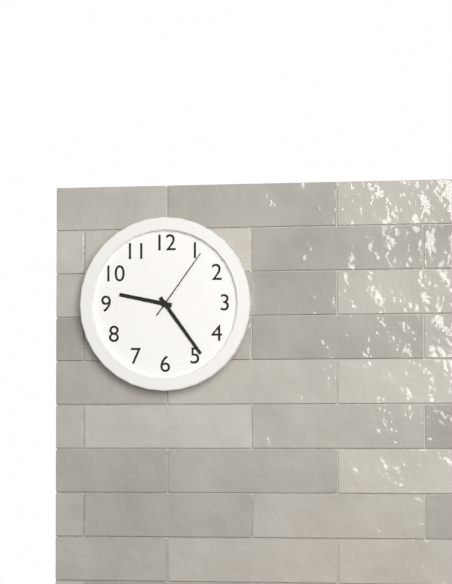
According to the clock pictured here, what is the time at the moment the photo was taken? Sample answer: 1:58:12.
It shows 9:24:06
